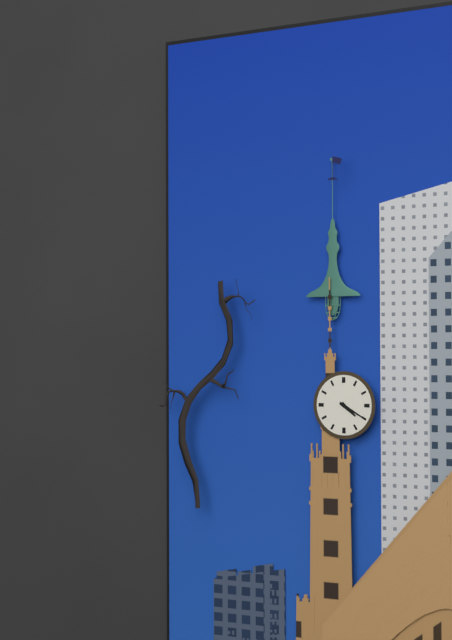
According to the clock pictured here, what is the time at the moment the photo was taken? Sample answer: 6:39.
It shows 4:20
